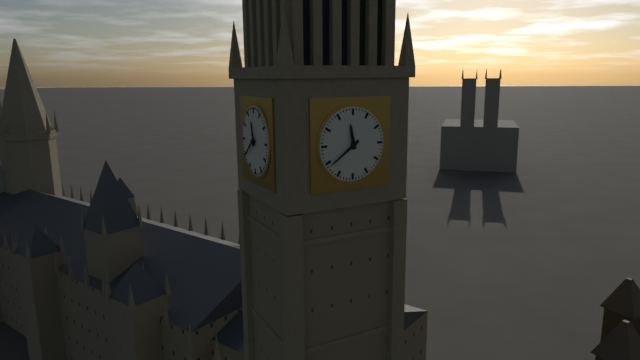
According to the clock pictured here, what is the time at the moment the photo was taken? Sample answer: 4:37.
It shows 11:39
